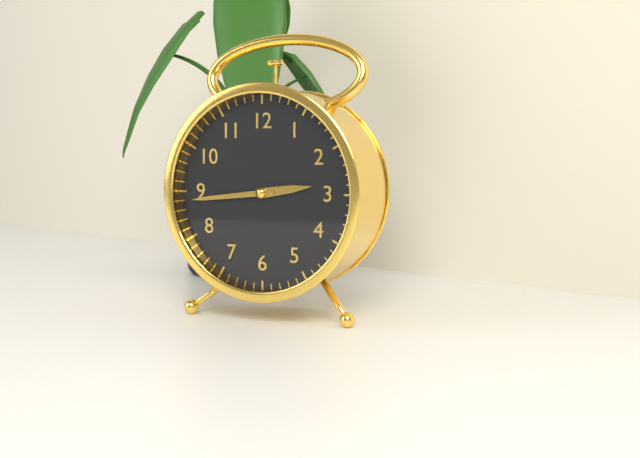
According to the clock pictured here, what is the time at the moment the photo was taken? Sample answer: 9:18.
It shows 2:44
